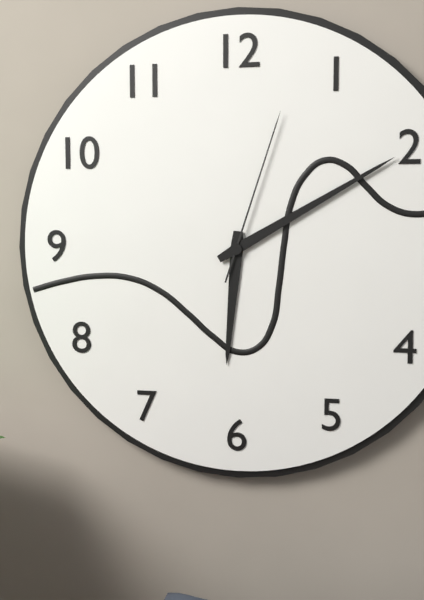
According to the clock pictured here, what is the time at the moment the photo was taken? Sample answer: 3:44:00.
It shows 6:10:03
